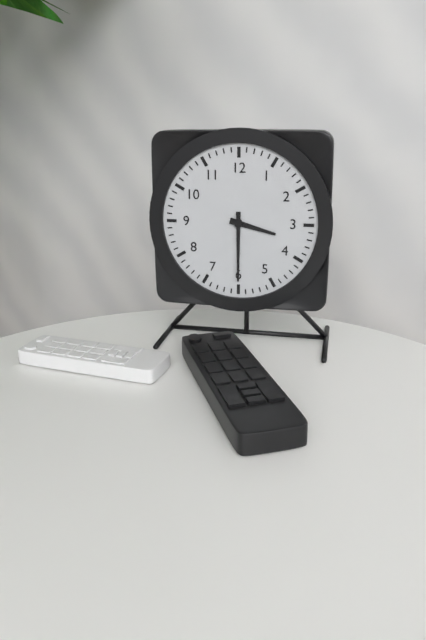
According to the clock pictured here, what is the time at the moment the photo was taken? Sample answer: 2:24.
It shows 3:30
